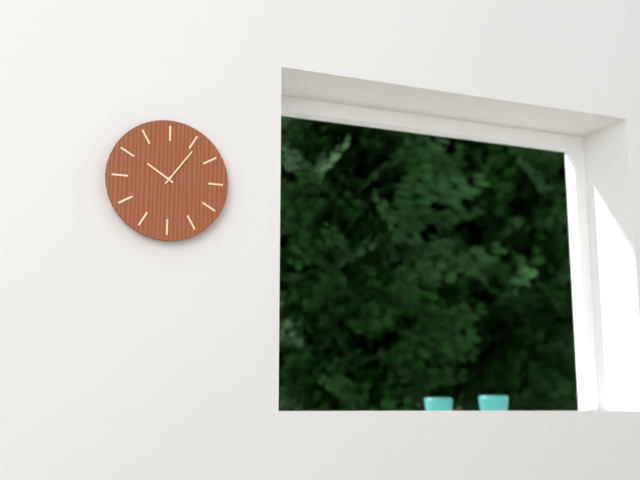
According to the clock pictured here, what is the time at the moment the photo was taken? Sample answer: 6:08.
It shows 10:06
